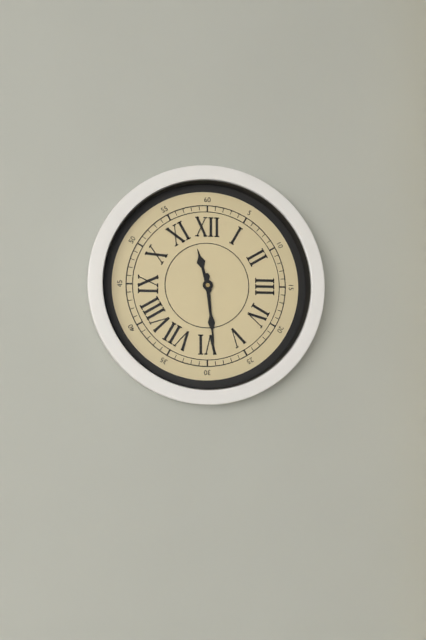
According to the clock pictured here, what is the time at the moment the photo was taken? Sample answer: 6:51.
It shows 11:29
